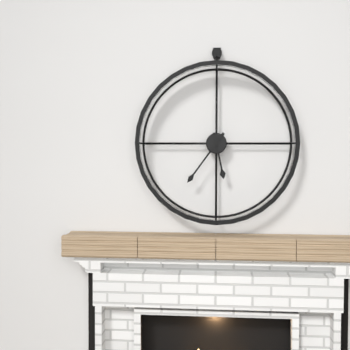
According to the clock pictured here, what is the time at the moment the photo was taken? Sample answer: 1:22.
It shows 5:36
